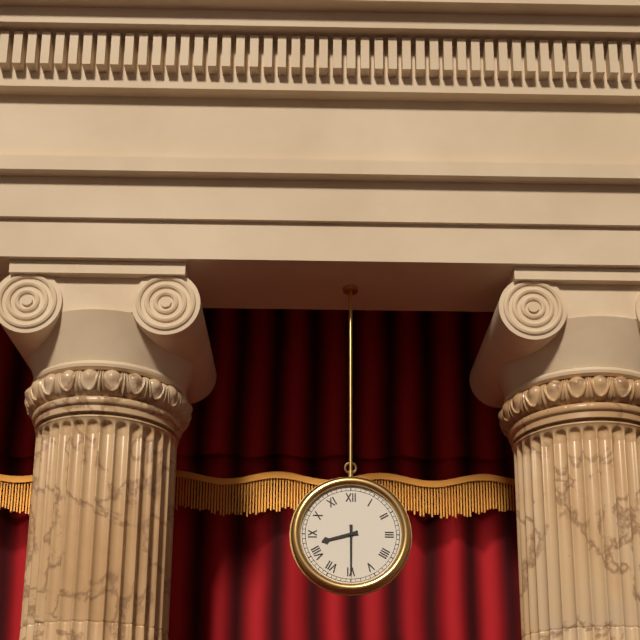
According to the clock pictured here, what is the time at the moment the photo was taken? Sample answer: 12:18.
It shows 8:30
